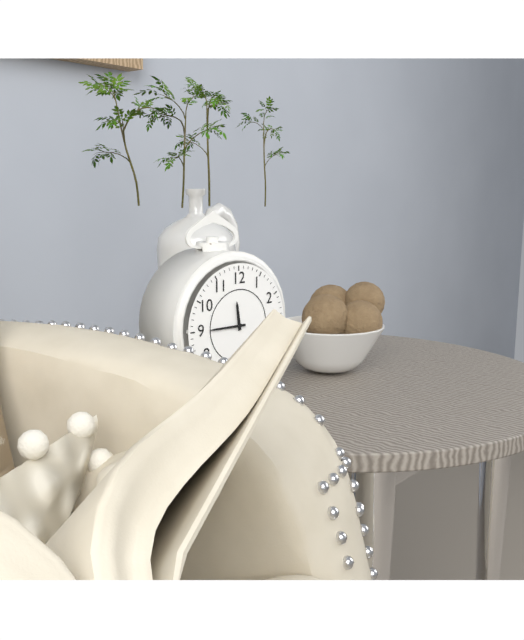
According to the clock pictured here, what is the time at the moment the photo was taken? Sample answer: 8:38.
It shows 11:45
